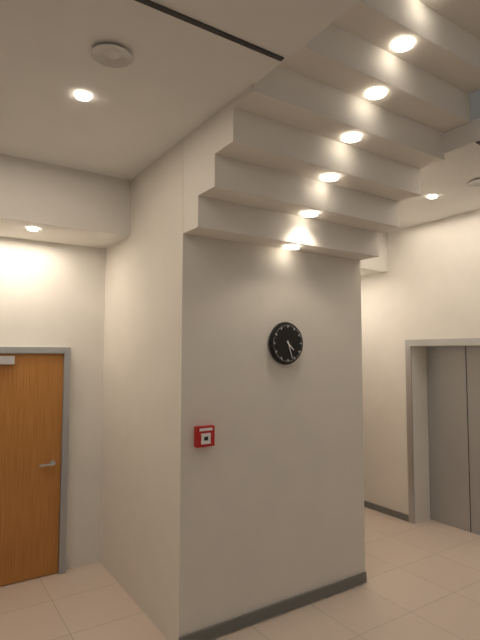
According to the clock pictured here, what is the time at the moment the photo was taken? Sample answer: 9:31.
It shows 4:27
